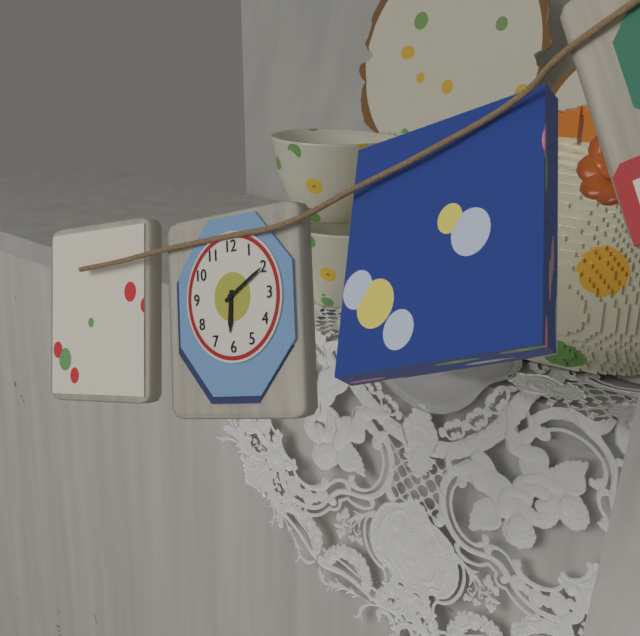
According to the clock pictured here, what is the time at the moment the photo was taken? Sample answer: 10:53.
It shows 6:10
